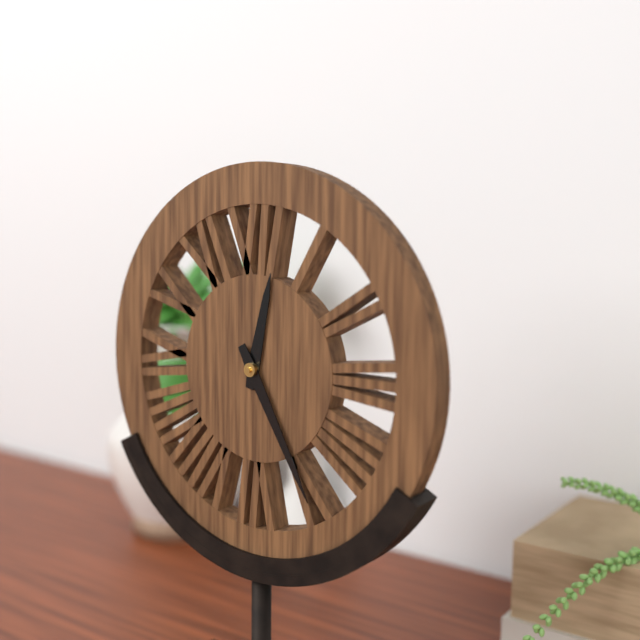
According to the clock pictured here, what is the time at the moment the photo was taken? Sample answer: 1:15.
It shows 12:25
